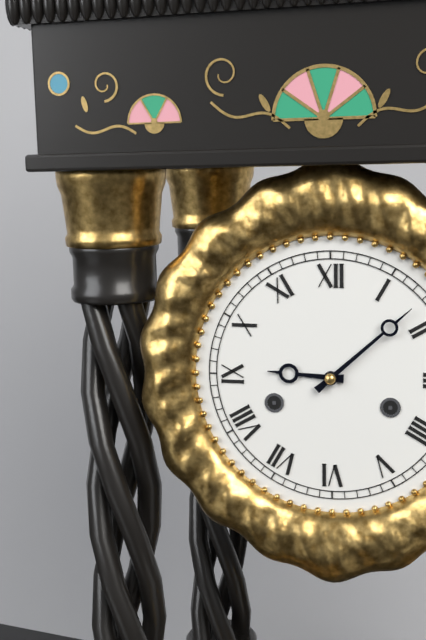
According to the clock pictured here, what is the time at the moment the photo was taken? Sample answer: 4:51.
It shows 9:08
